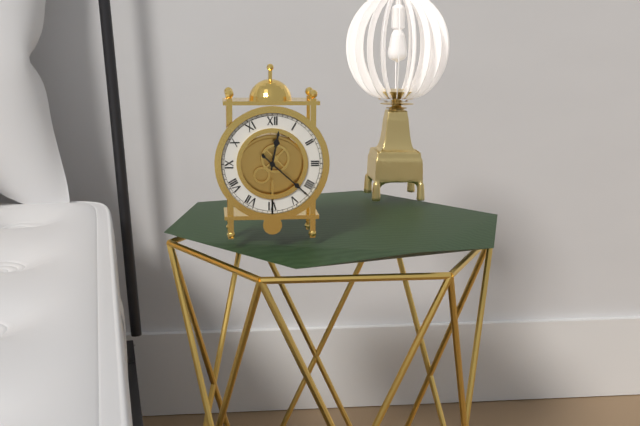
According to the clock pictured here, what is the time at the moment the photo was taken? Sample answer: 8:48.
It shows 12:22
